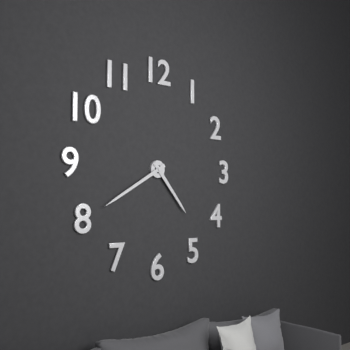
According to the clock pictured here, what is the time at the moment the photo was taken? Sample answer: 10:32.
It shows 4:40
